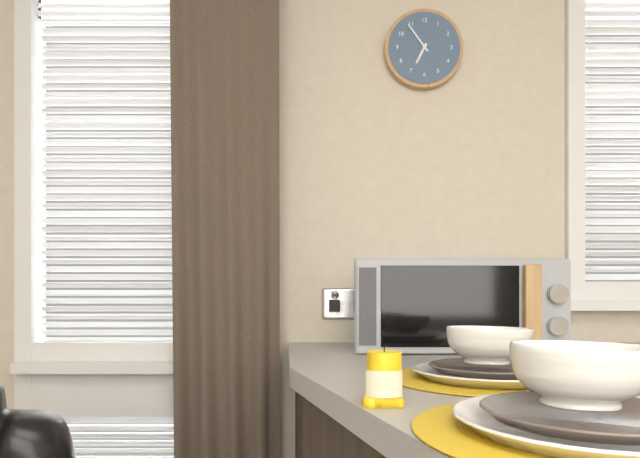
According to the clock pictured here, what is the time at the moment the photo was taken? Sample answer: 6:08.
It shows 6:54
